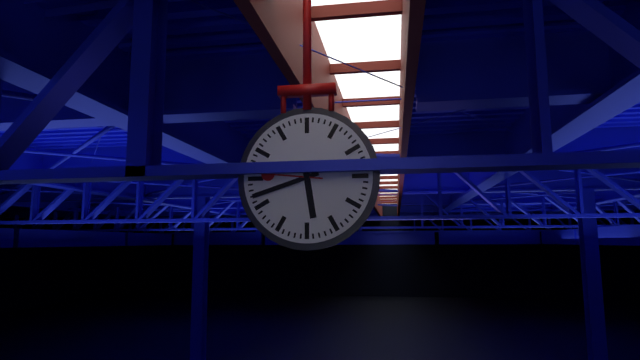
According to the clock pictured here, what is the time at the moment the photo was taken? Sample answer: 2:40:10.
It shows 5:42:46
